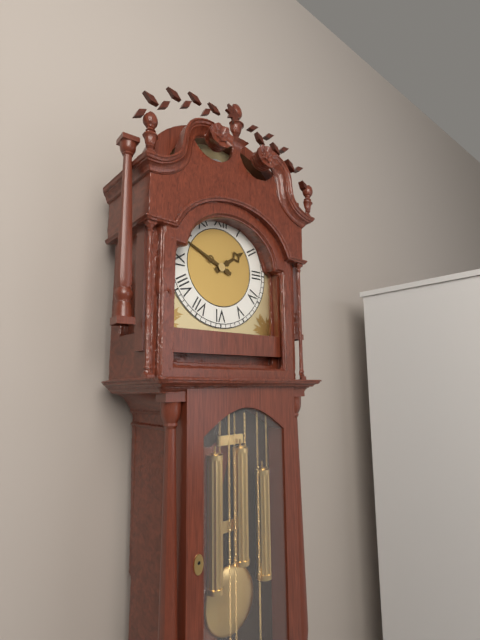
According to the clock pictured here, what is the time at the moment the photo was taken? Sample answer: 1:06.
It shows 1:49
